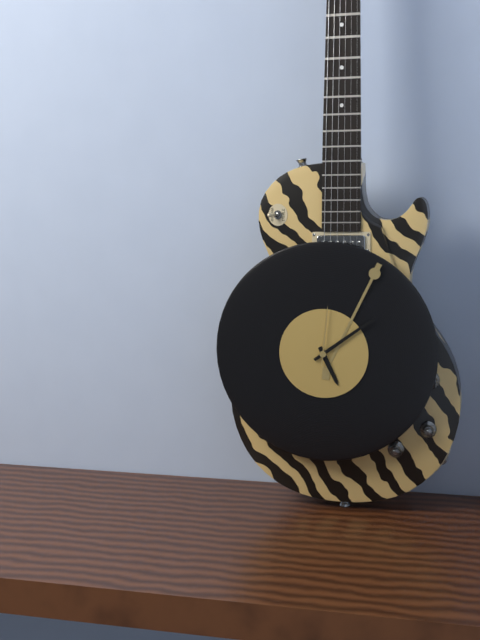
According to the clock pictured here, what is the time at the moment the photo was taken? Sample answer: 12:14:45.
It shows 5:09:01
